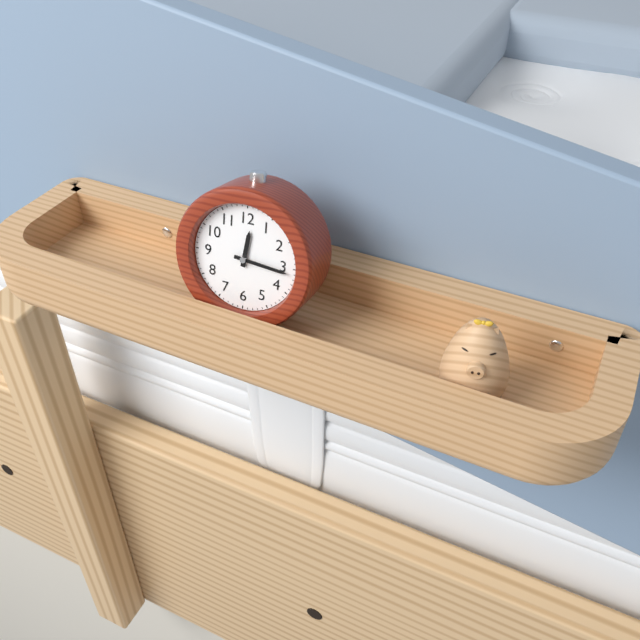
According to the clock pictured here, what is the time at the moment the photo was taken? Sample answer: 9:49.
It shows 12:16
